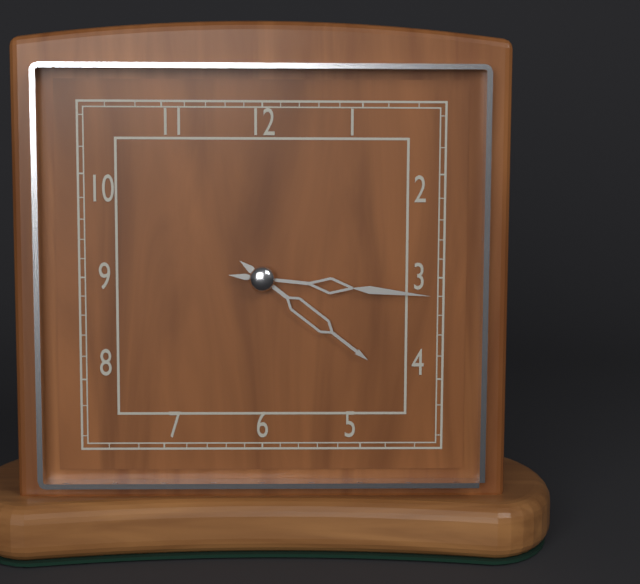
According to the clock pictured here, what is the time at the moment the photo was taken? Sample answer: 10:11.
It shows 4:16
